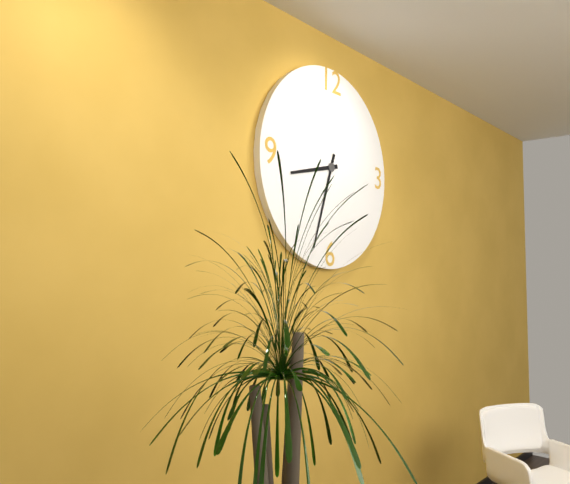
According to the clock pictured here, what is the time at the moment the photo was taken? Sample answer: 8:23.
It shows 8:33
